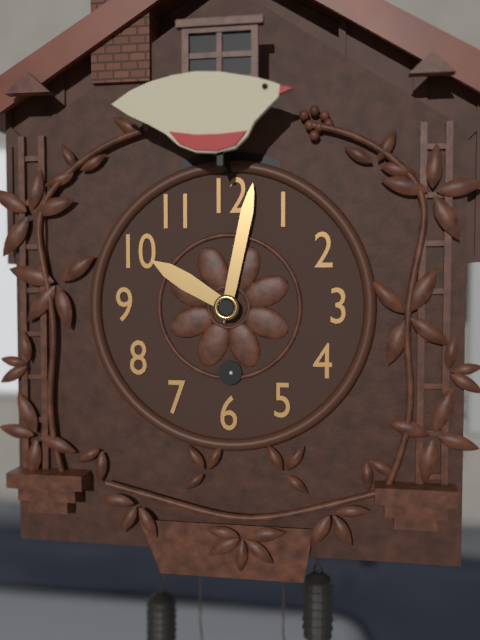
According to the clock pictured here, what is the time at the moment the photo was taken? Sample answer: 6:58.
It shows 10:02
